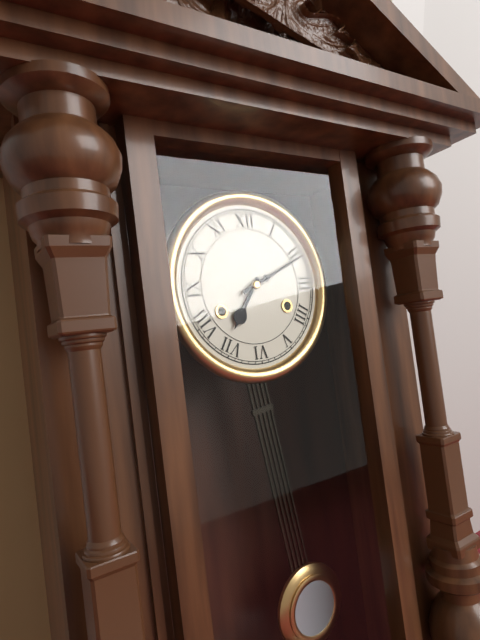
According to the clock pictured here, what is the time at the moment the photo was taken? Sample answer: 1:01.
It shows 7:11
